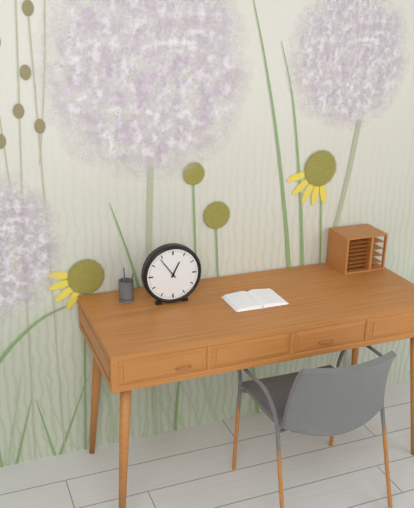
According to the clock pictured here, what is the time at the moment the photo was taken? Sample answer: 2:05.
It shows 12:54
